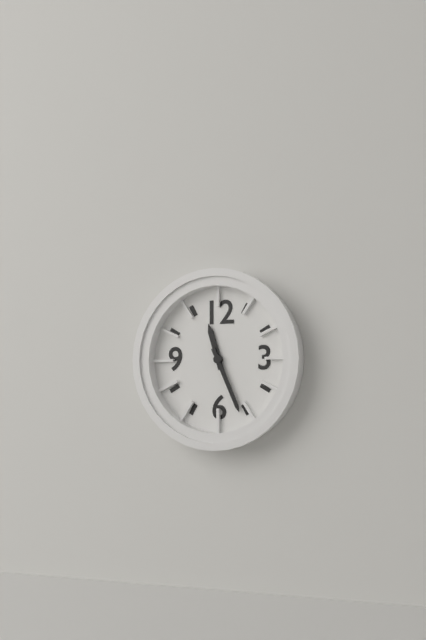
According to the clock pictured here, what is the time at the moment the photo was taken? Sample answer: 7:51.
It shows 11:26
